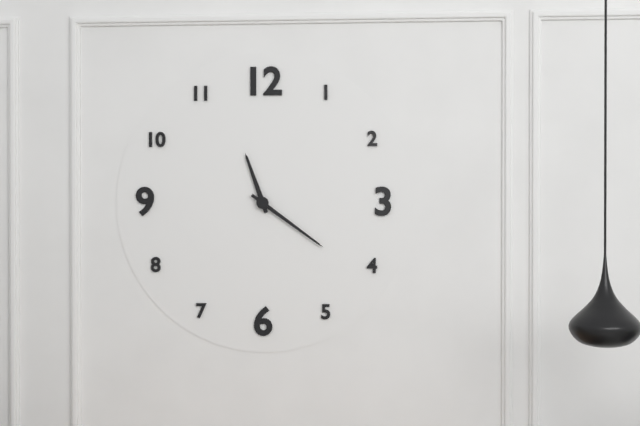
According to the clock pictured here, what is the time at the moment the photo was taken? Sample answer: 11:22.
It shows 11:21
